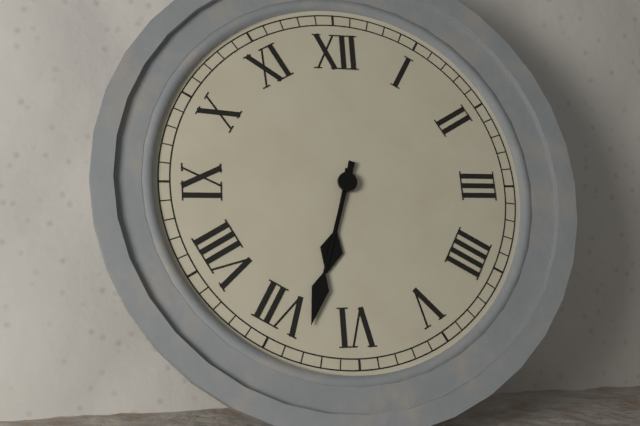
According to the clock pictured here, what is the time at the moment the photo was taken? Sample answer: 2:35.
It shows 6:33
